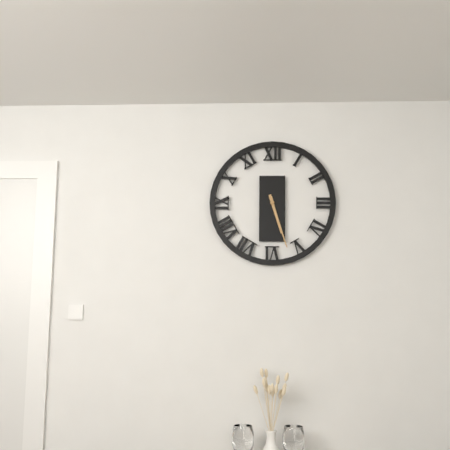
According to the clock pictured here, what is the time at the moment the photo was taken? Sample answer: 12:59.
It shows 5:27
